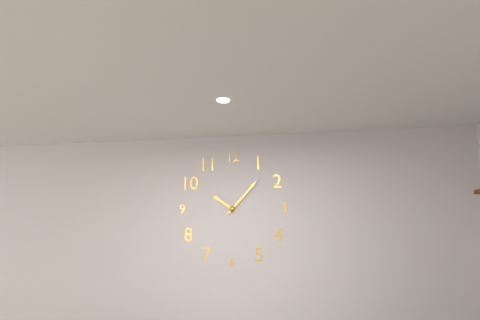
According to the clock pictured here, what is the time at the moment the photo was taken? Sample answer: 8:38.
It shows 10:07
